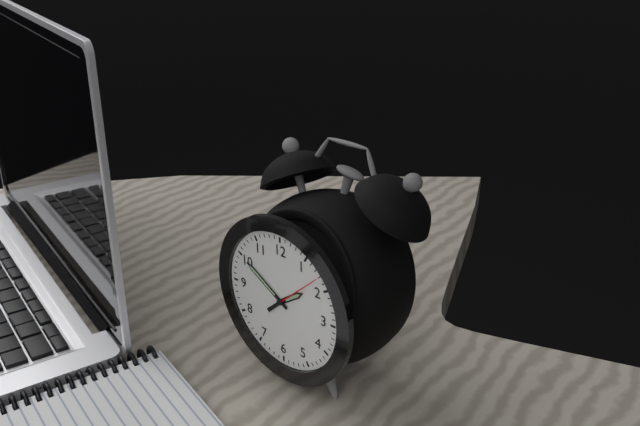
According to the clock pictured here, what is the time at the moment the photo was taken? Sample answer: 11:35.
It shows 1:50
